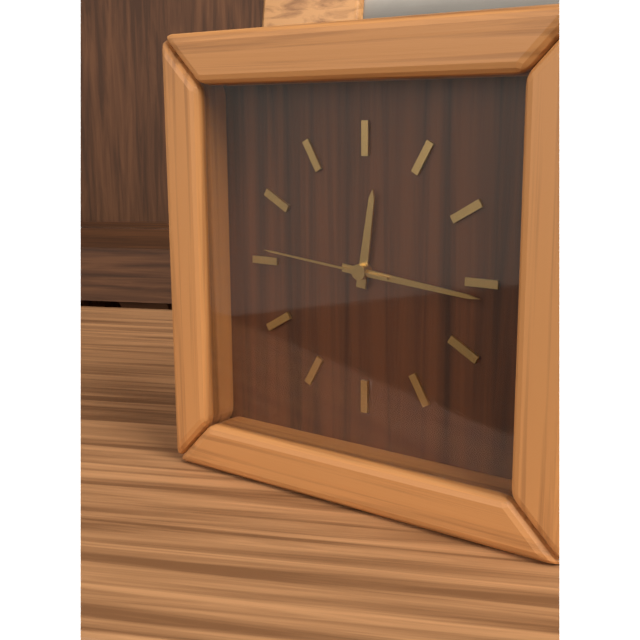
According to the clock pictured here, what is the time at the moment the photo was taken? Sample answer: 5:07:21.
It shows 12:16:46
